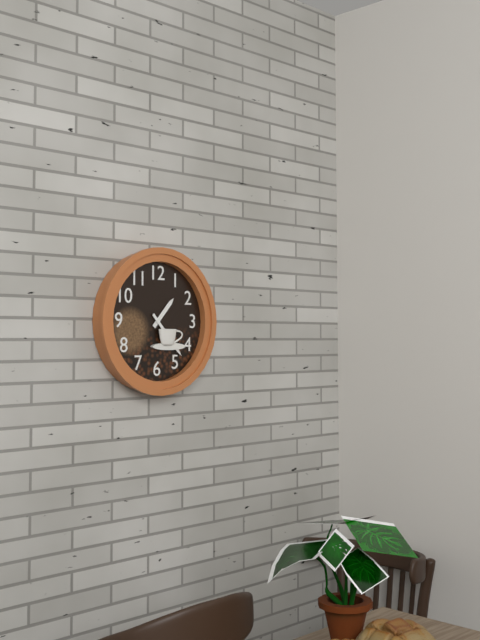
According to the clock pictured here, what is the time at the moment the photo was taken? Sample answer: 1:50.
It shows 1:23
